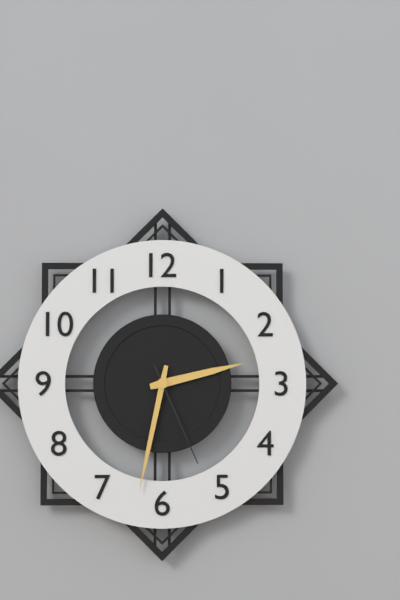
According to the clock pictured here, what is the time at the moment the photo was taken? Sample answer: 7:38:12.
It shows 2:32:26
